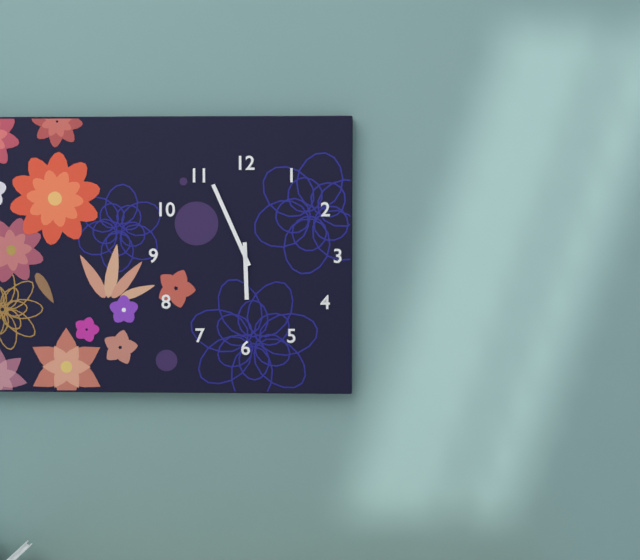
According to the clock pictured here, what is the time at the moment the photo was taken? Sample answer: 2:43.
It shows 5:56
